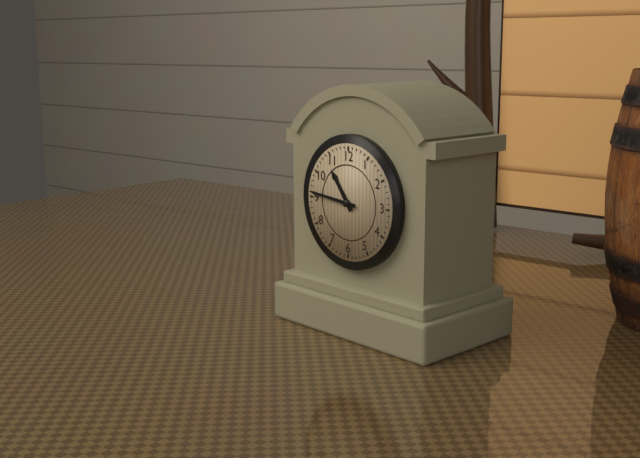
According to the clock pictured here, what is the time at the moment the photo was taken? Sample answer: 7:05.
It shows 10:46
